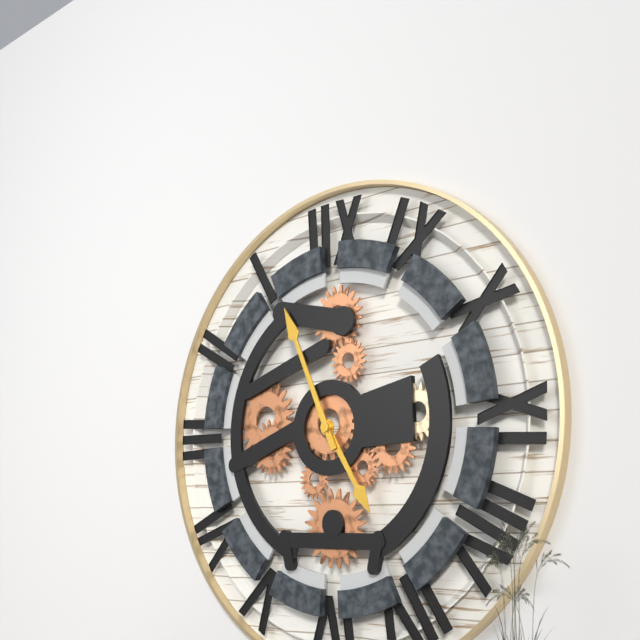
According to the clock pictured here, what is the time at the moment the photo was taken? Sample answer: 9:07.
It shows 4:56
